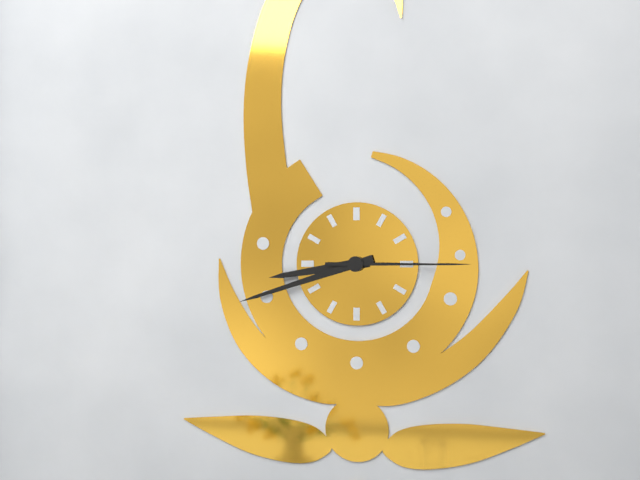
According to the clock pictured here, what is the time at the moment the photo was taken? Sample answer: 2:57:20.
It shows 8:42:15
